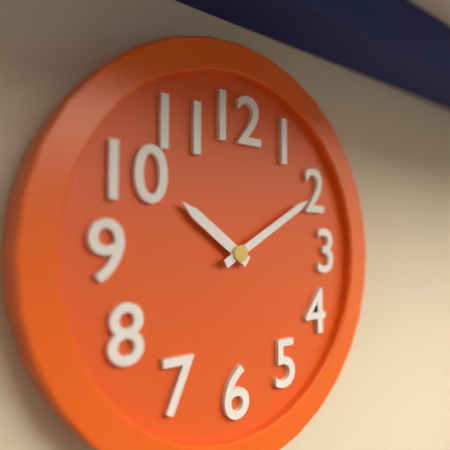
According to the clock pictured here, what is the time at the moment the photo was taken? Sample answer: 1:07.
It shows 10:10
